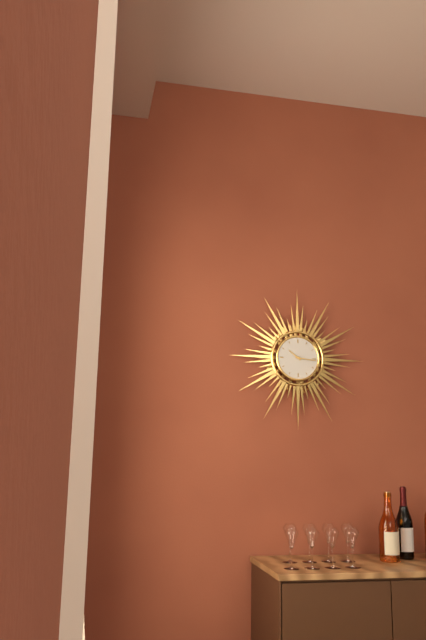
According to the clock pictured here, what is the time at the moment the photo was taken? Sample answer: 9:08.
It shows 10:16
